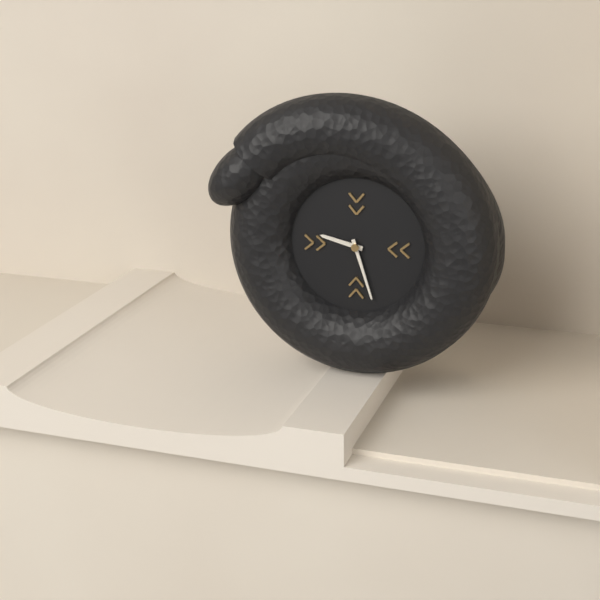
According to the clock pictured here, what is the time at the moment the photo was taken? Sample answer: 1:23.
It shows 9:27
